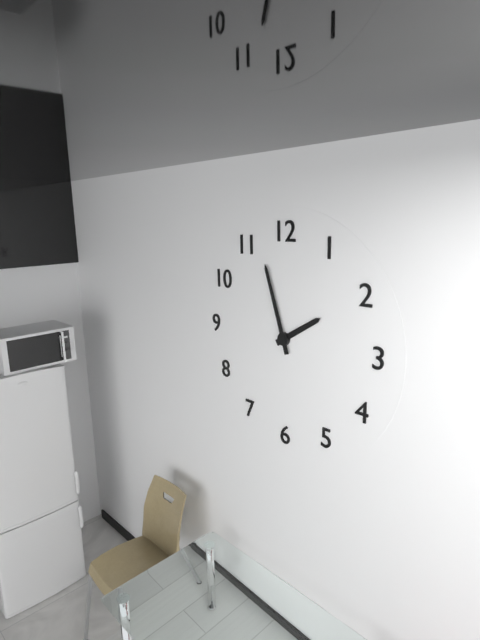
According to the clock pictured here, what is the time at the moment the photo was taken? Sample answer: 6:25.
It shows 1:57
